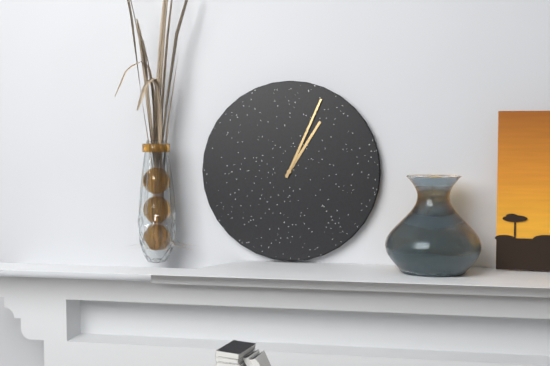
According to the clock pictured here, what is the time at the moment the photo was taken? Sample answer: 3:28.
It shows 1:04
